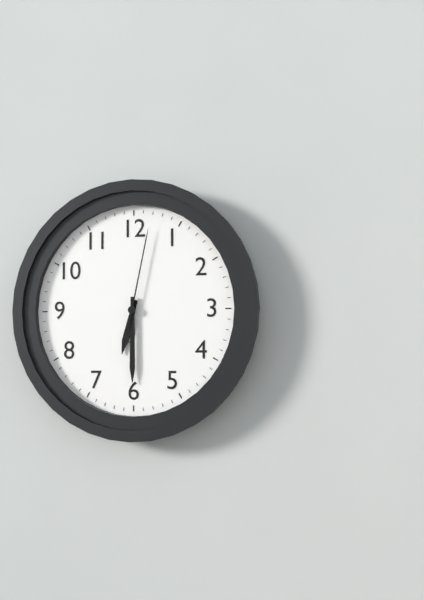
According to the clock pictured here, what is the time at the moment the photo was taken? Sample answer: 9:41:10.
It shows 6:30:02
